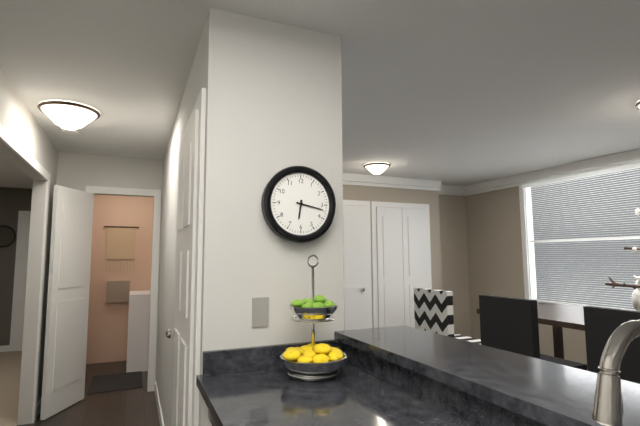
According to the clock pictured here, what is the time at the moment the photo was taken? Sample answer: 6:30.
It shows 6:17
